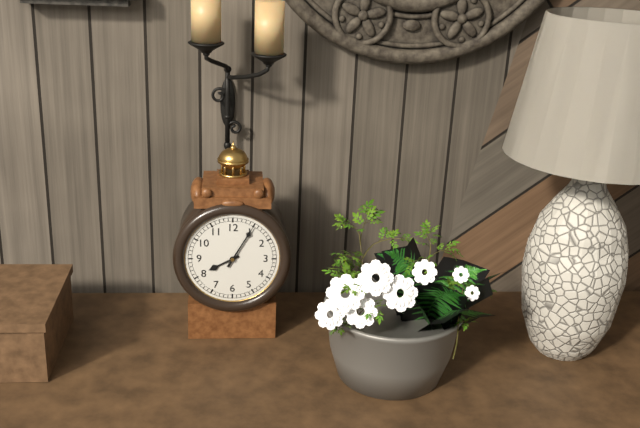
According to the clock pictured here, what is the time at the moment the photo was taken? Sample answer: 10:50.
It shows 8:05
